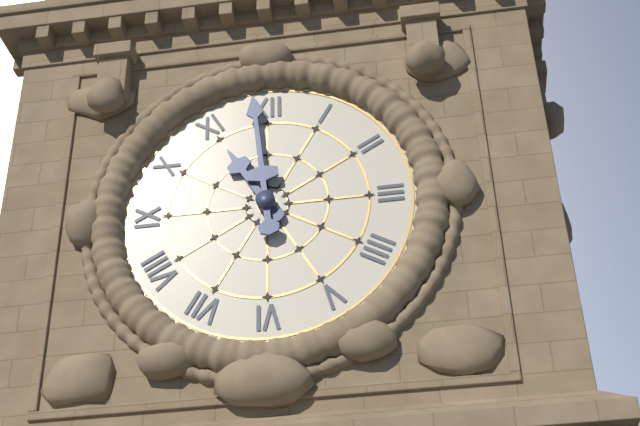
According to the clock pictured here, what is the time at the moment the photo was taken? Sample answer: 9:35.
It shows 10:59
